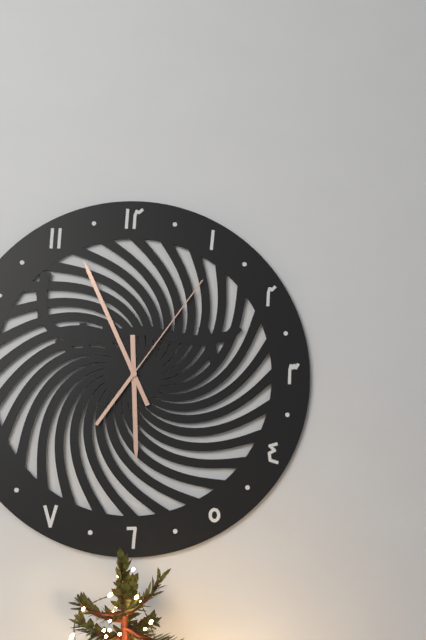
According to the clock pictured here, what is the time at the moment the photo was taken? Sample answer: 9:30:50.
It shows 5:56:06
